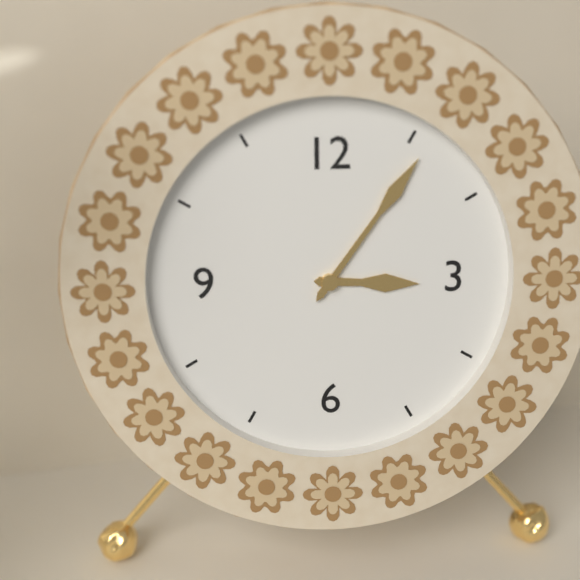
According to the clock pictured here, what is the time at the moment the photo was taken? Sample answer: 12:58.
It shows 3:06
